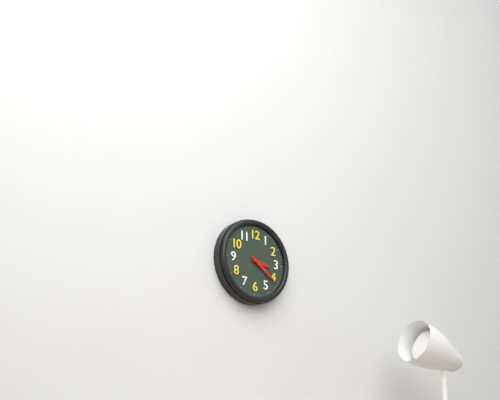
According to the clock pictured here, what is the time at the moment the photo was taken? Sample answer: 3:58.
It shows 3:21
